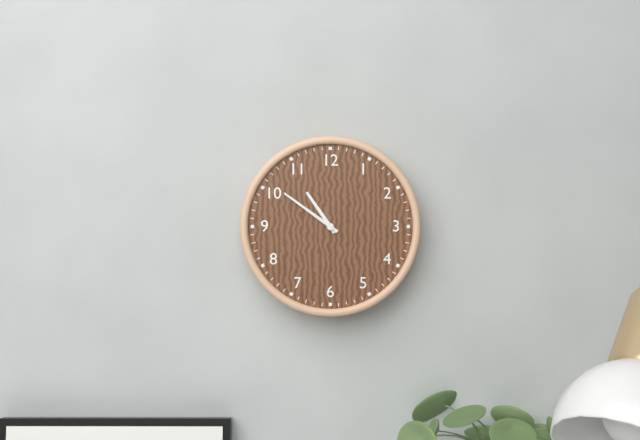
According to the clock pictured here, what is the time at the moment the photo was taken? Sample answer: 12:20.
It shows 10:51
